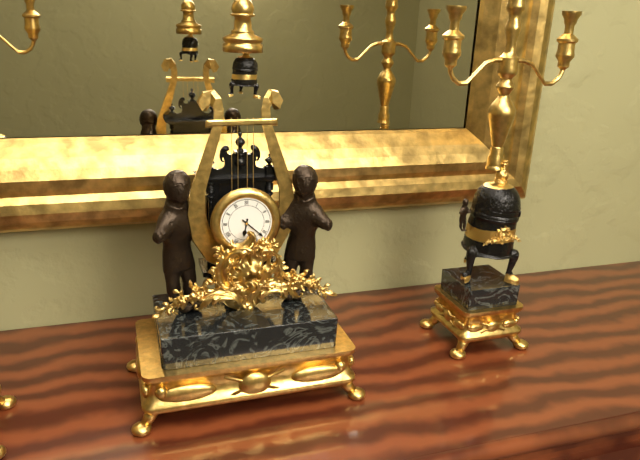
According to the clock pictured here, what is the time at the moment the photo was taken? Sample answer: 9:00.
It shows 6:22
